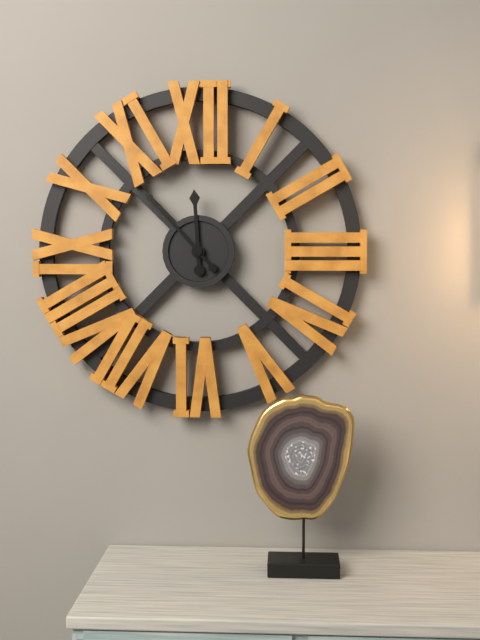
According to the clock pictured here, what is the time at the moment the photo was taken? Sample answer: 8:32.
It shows 11:53
